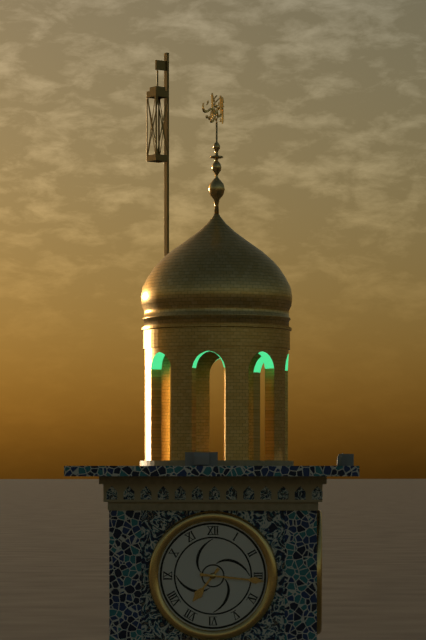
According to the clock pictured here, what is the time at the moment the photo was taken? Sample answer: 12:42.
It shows 7:16
